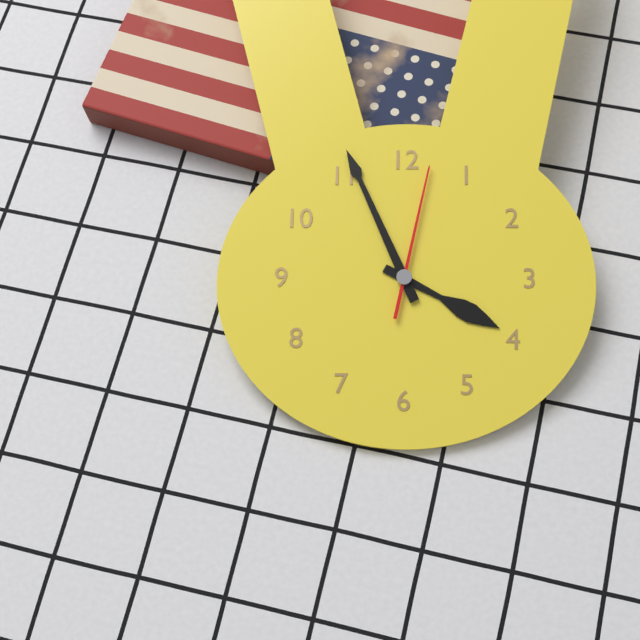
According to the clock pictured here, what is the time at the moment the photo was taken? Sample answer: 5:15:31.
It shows 3:56:02
